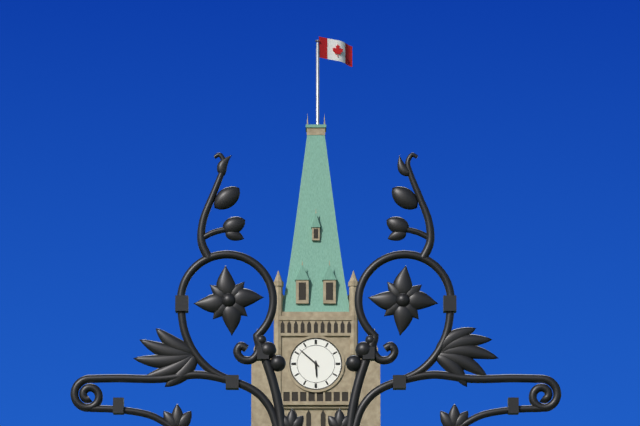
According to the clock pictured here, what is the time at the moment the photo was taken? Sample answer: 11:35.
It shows 5:52
